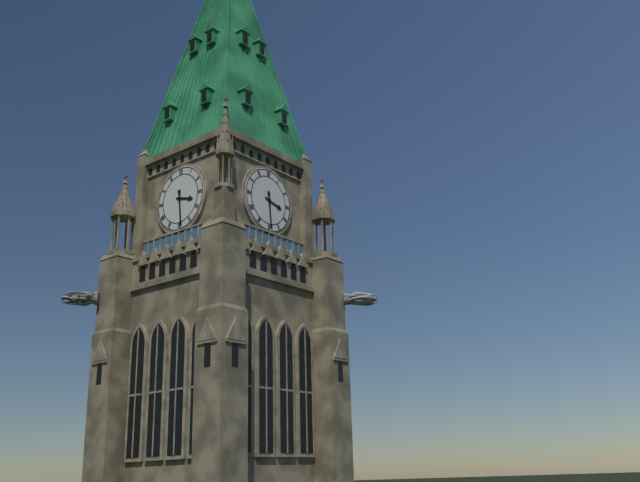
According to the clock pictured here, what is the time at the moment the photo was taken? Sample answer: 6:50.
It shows 3:29
